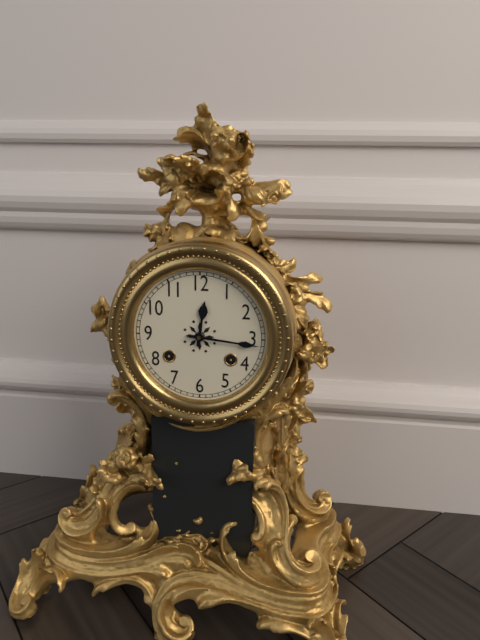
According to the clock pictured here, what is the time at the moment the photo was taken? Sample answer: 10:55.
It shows 12:16
